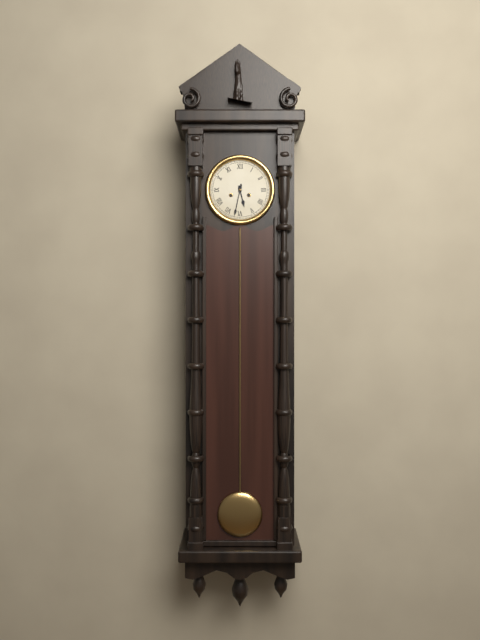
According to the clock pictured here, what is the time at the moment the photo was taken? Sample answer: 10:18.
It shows 5:32
